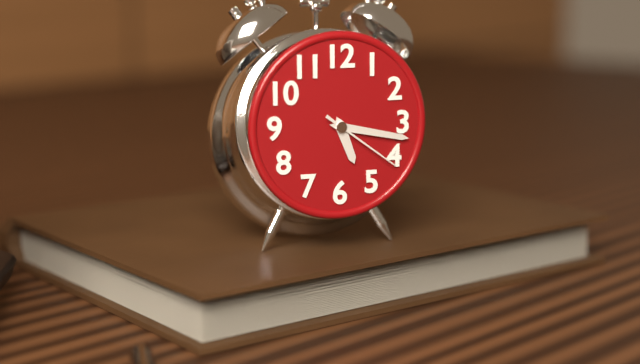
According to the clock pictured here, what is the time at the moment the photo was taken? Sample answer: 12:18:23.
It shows 5:17:21
